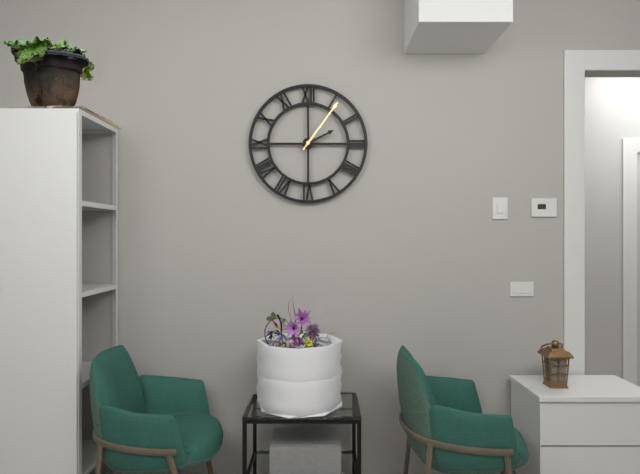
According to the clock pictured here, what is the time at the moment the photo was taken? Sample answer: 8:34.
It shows 2:06
